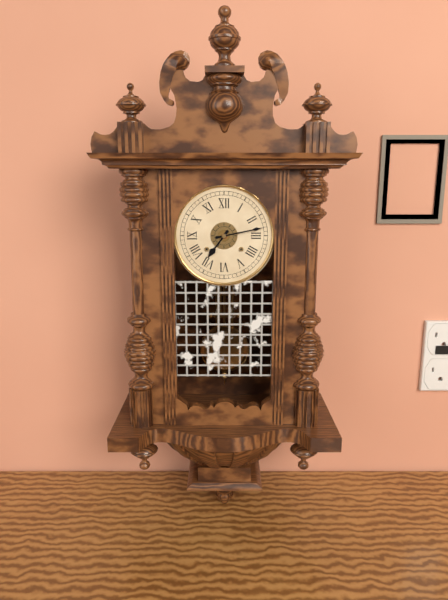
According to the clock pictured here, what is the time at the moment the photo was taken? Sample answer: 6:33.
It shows 7:13
